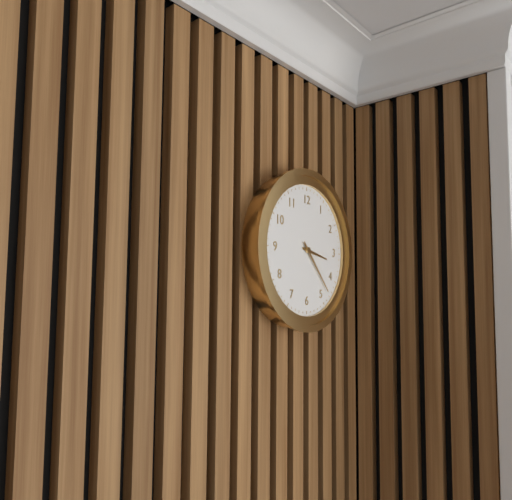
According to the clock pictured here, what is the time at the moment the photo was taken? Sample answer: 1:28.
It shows 3:23
